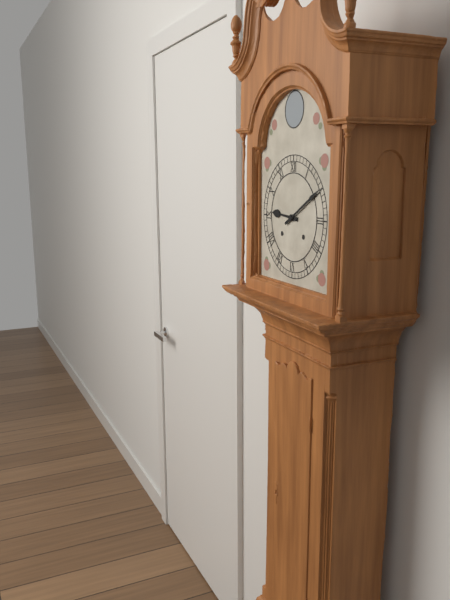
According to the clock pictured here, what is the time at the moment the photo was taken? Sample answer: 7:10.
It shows 9:10
